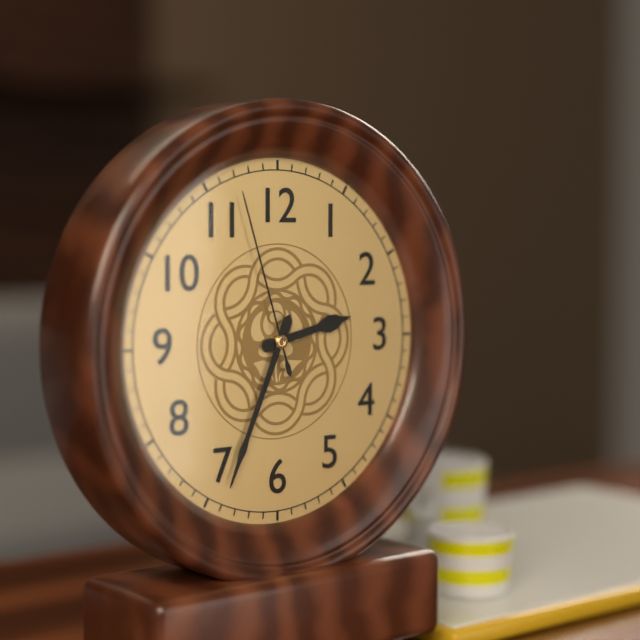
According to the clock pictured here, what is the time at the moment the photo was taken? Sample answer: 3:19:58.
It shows 2:34:57
